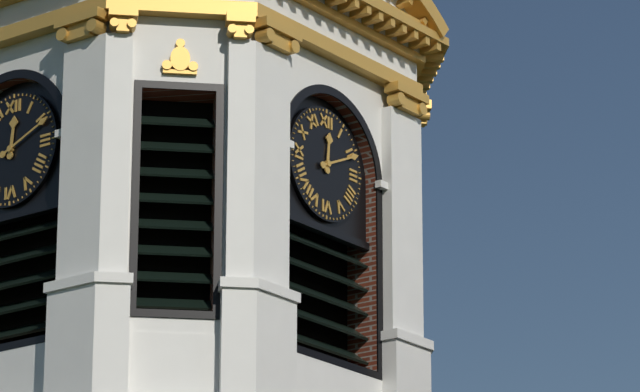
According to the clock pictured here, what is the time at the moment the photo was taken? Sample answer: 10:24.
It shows 12:11
